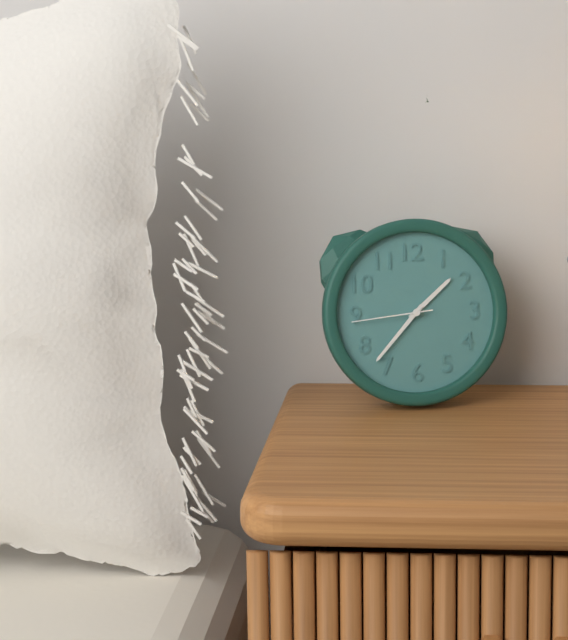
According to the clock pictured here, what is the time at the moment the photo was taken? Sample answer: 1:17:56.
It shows 1:37:44
